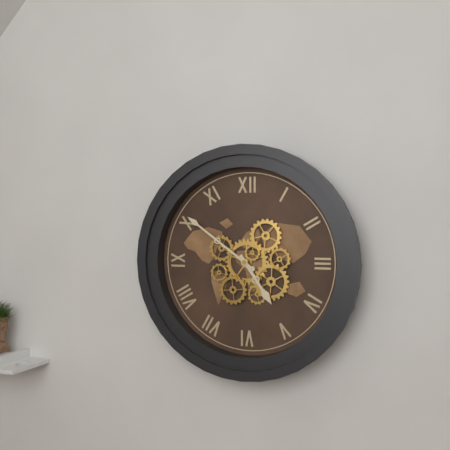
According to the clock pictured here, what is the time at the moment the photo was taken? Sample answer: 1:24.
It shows 4:51
